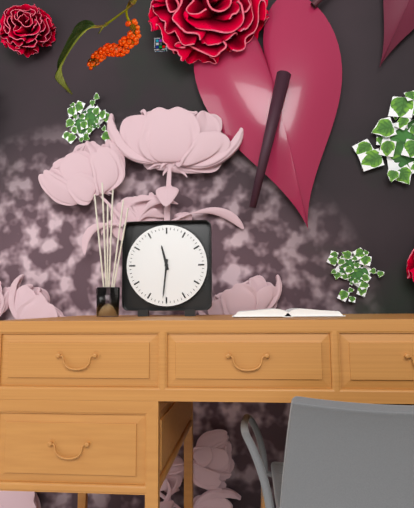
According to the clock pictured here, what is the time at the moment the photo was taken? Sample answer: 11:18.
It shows 11:31
